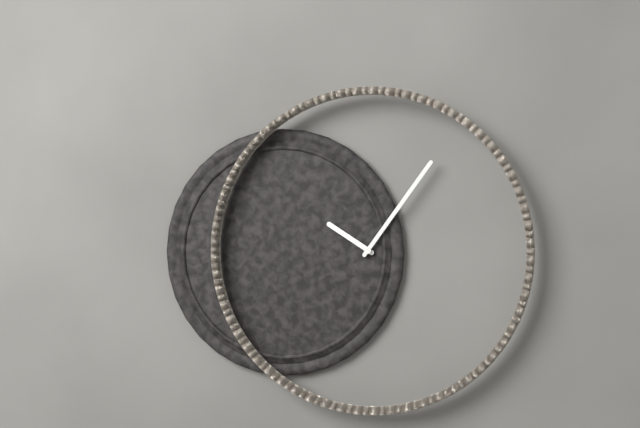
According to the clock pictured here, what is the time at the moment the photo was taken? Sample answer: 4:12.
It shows 10:06
